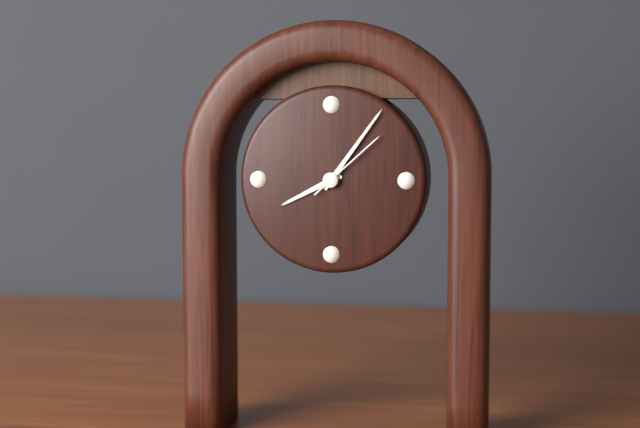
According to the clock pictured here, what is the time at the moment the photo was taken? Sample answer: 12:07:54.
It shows 8:06:08
